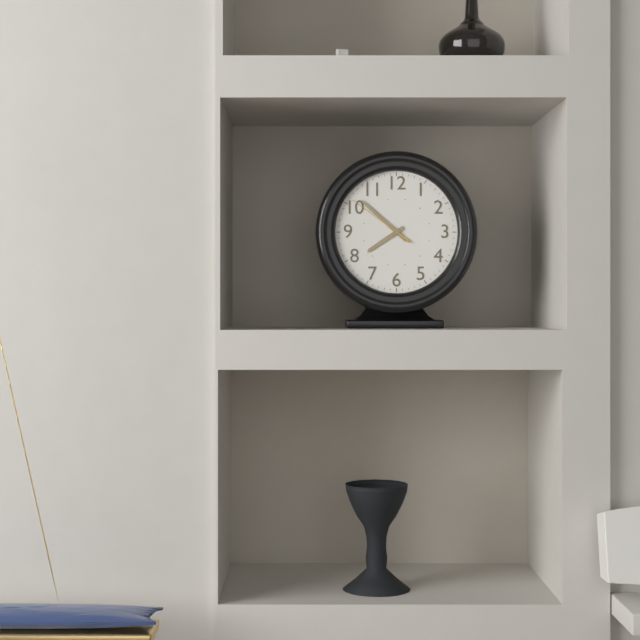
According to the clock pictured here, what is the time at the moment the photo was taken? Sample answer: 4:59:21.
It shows 7:52:51
